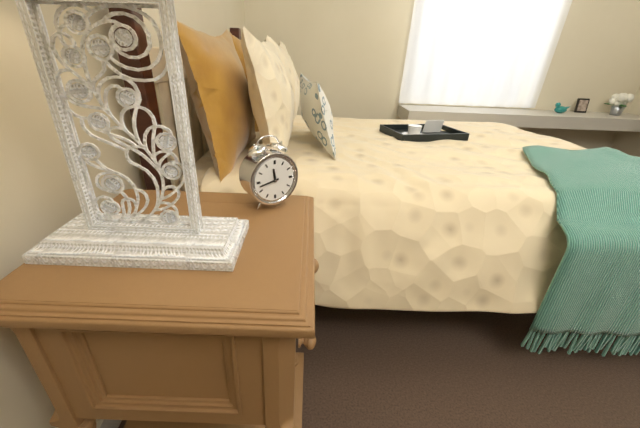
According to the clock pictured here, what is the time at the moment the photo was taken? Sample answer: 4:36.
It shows 11:43
